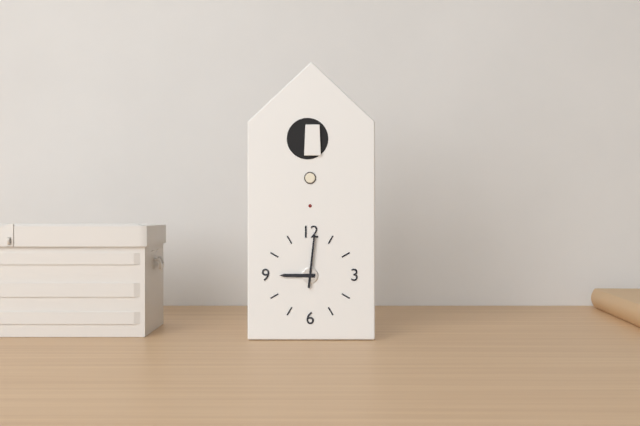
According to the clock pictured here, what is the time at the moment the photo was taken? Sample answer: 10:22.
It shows 9:01
